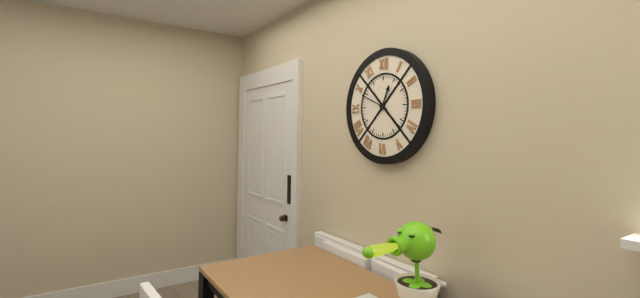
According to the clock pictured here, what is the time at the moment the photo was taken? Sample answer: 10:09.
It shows 12:49
